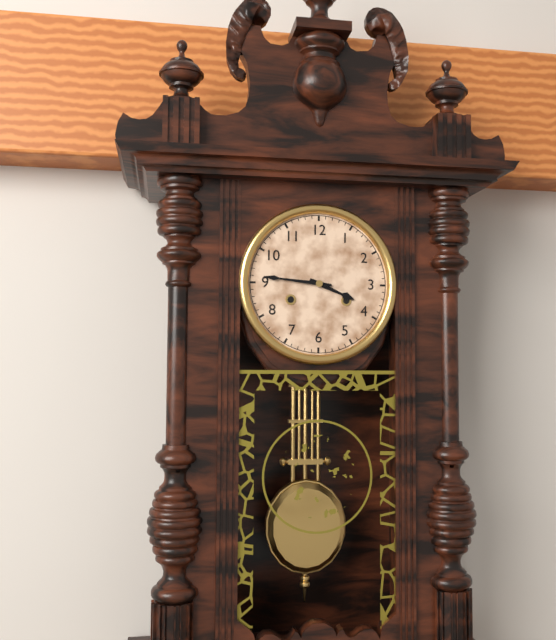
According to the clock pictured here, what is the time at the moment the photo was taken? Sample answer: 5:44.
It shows 3:46
